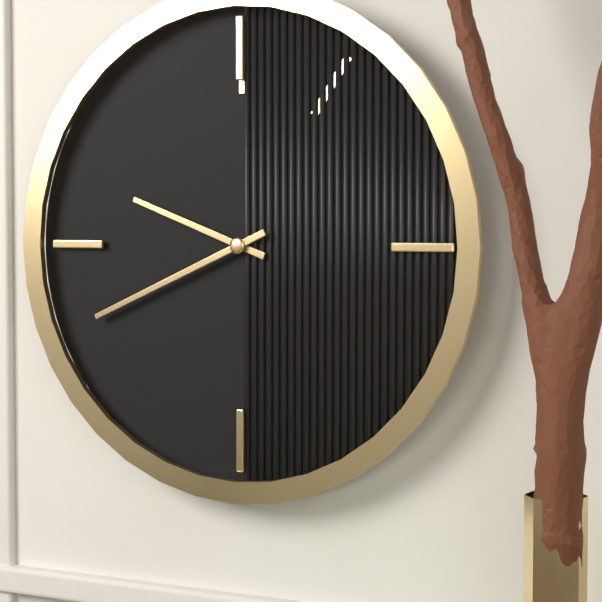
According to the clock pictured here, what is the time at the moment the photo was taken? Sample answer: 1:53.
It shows 9:41
